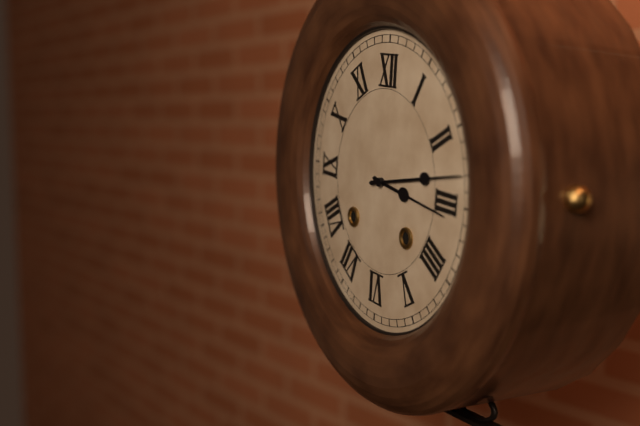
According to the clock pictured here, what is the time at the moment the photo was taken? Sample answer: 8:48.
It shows 3:13
